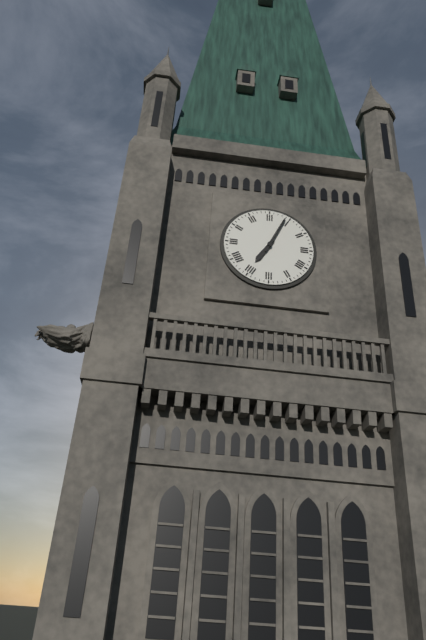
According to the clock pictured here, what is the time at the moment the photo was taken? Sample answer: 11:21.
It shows 7:04
